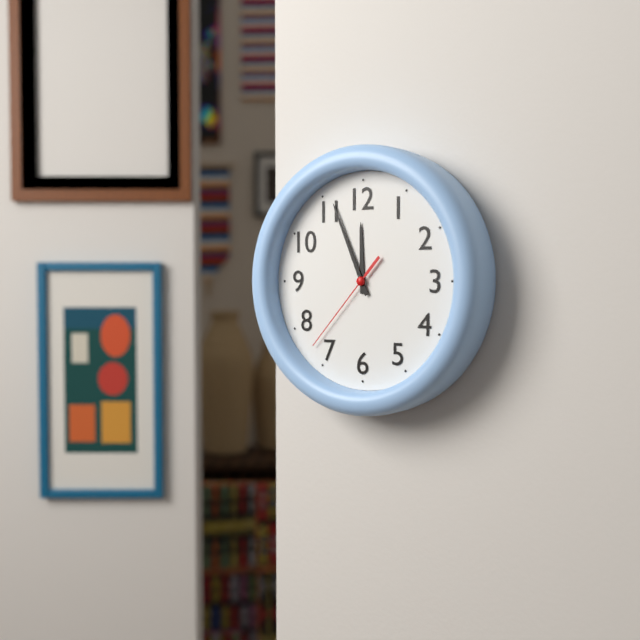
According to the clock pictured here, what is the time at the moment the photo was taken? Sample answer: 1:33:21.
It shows 11:56:37
